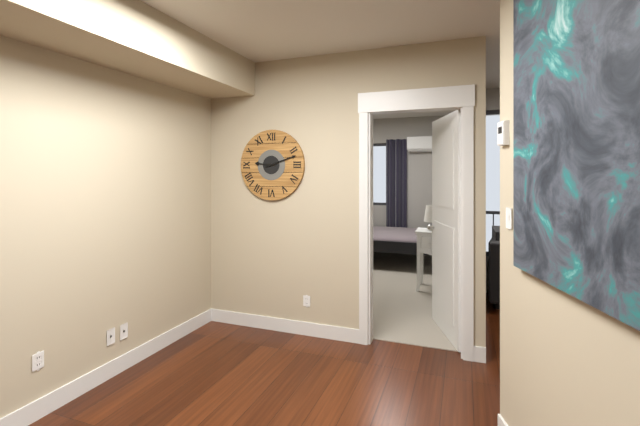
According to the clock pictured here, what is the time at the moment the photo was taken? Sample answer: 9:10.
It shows 9:12
